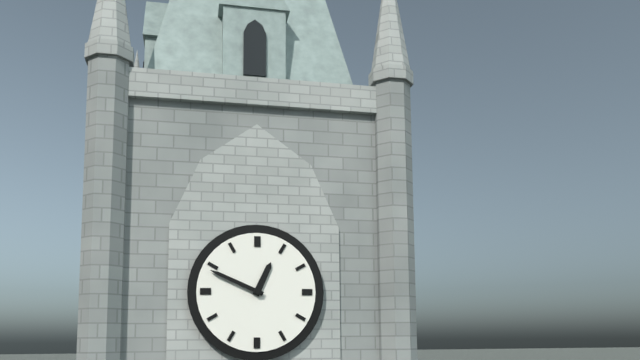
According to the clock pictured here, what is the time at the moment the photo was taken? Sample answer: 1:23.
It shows 12:49
